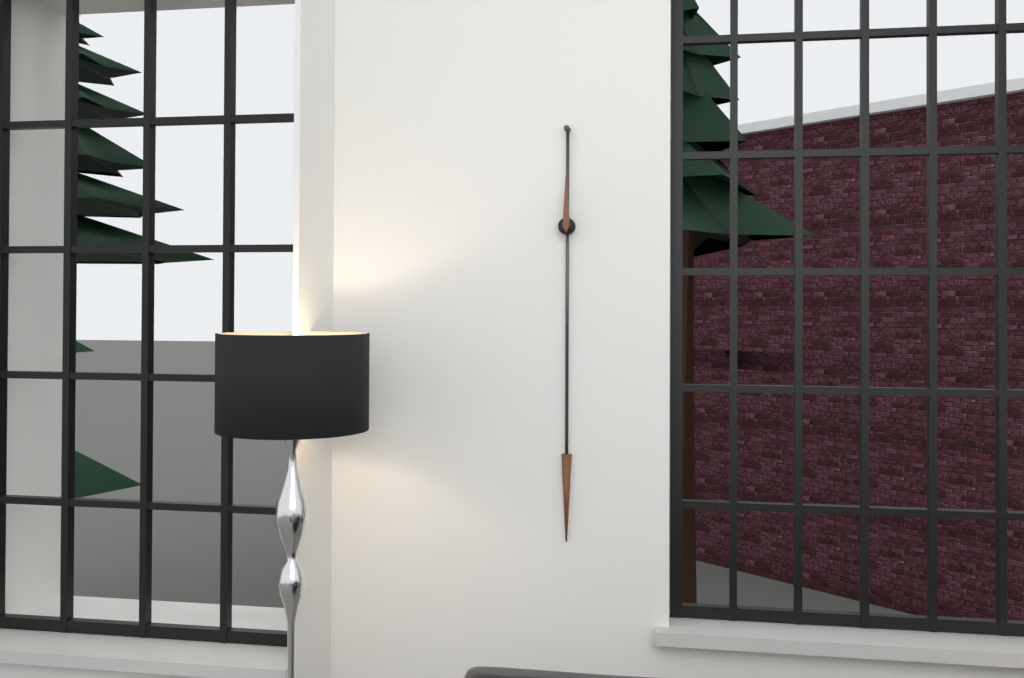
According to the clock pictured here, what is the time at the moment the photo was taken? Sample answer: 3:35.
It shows 12:00
